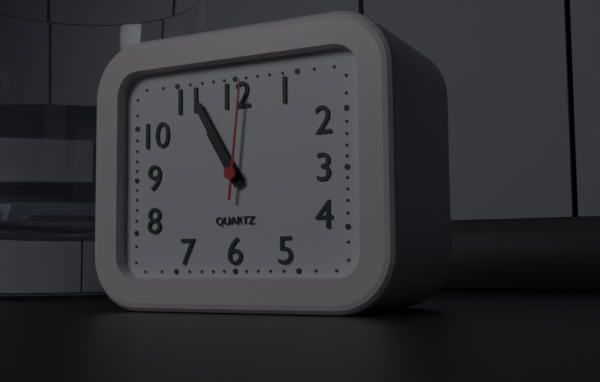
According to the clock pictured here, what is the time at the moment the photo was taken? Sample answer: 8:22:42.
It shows 10:55:01
